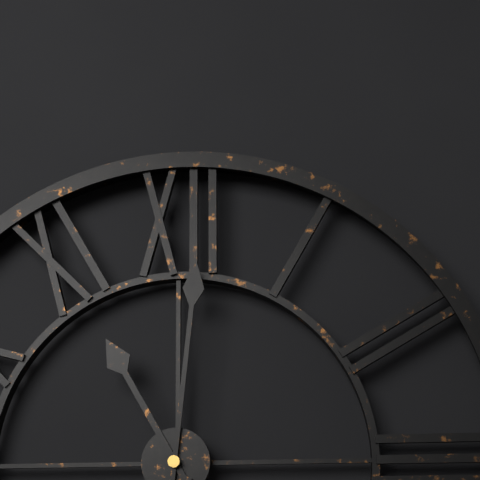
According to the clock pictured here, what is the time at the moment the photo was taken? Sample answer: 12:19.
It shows 11:01
